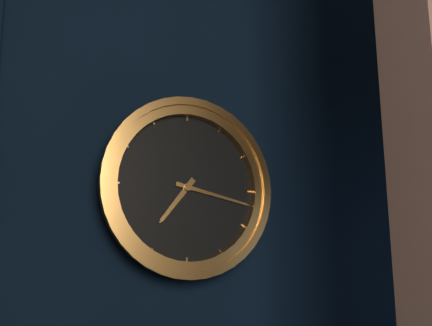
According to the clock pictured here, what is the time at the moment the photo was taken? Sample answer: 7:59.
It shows 7:17
